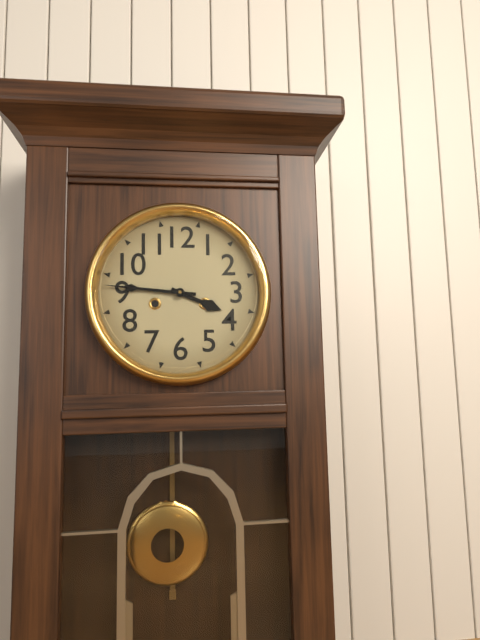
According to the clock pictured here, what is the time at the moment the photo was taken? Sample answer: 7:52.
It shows 3:46
